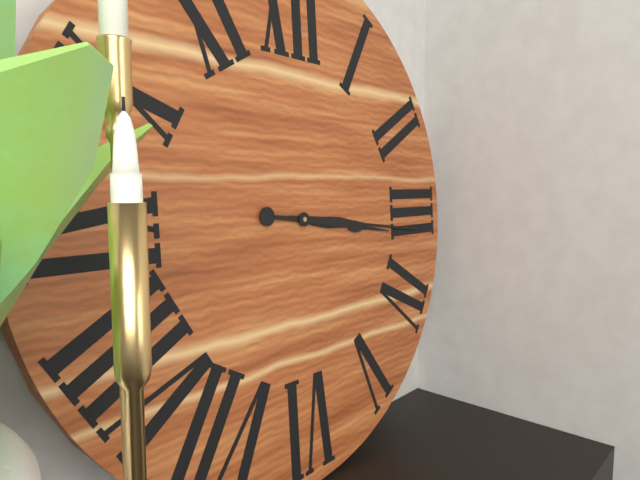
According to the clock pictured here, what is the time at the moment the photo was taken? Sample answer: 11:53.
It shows 3:16
